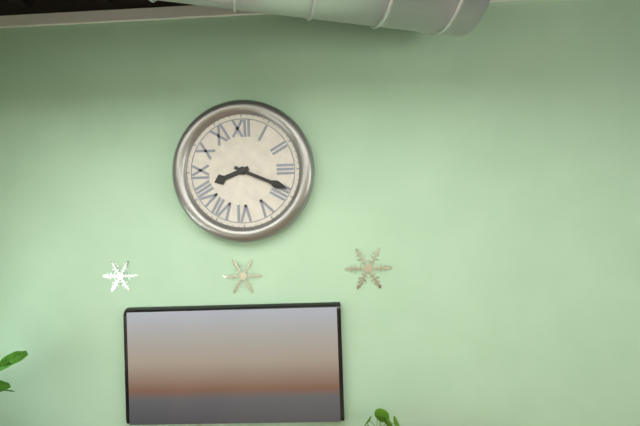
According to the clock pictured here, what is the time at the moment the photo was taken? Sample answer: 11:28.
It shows 8:19
